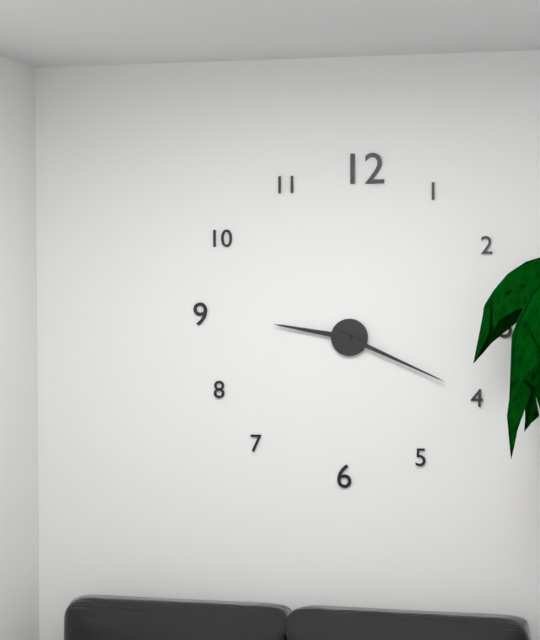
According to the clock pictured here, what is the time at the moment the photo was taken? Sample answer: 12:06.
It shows 9:19
